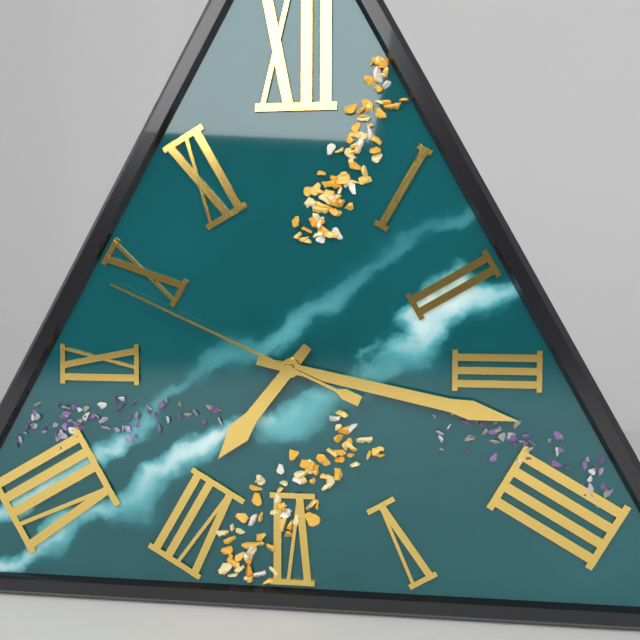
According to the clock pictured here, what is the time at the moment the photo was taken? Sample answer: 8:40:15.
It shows 7:17:49
